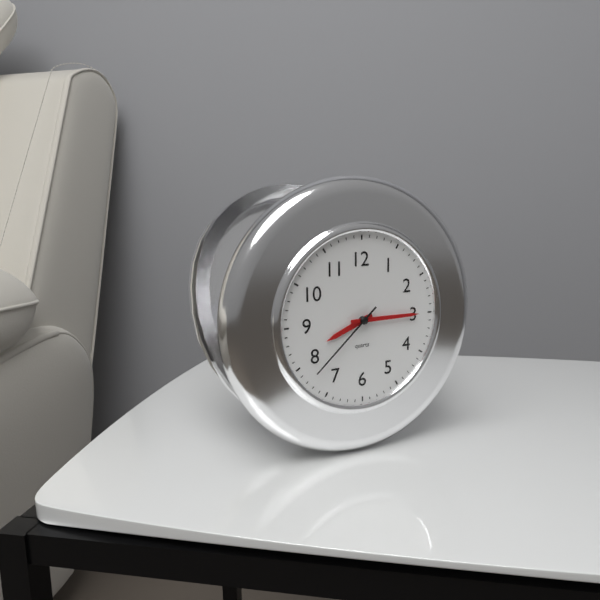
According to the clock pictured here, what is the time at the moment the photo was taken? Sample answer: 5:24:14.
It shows 8:15:38
